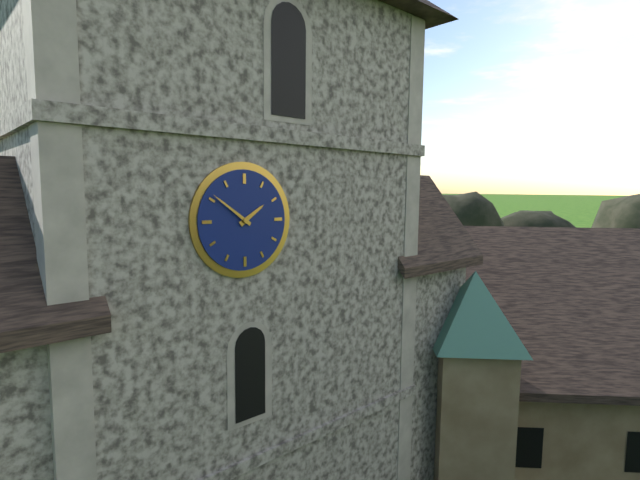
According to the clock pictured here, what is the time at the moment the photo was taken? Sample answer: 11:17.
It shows 1:51
